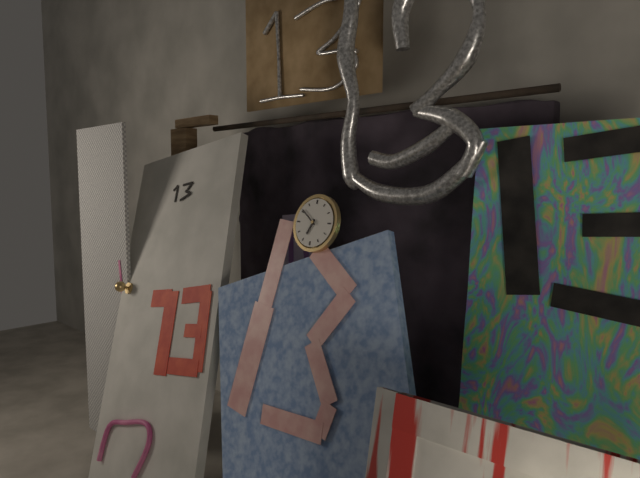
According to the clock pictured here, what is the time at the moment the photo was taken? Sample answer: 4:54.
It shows 6:51
